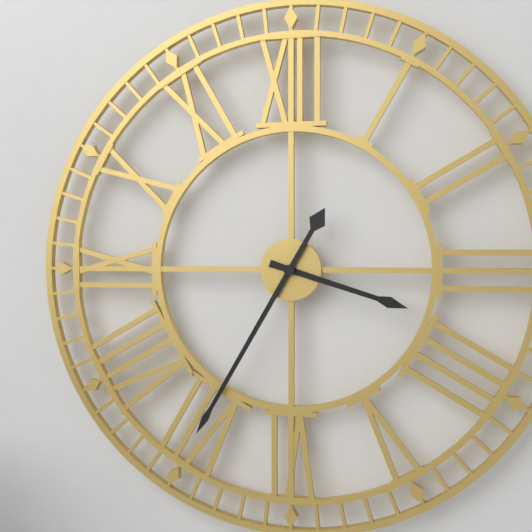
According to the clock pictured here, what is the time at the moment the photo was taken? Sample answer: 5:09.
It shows 3:35
